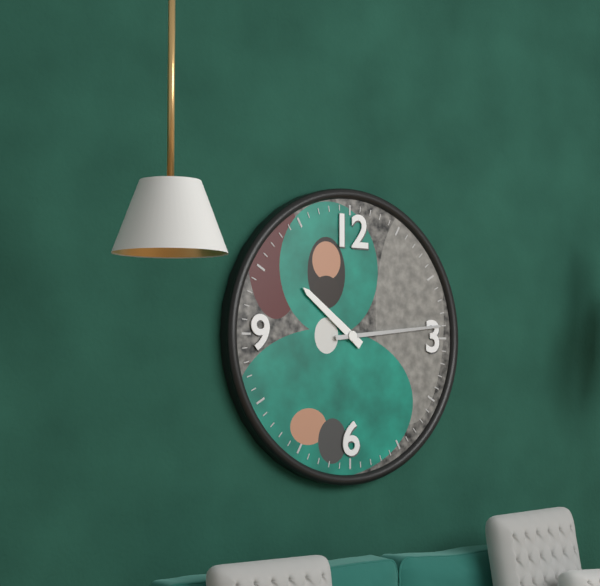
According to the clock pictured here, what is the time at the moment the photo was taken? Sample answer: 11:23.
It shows 10:14
